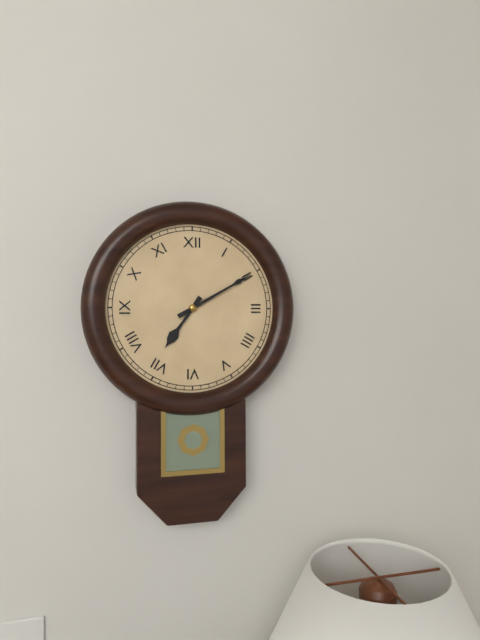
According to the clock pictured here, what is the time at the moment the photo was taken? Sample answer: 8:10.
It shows 7:10
